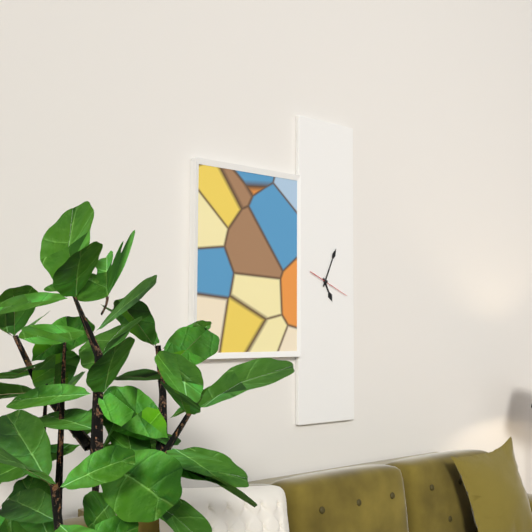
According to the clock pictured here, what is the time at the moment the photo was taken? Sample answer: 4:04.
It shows 5:04
